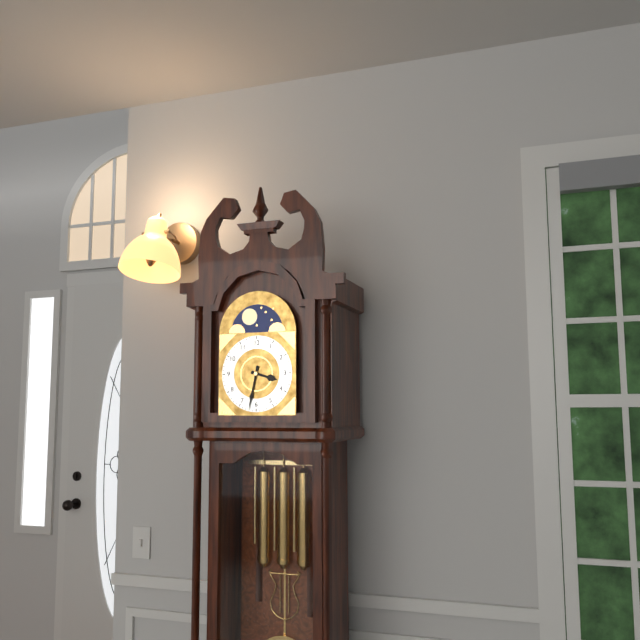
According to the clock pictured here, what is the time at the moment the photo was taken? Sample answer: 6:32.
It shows 3:32
